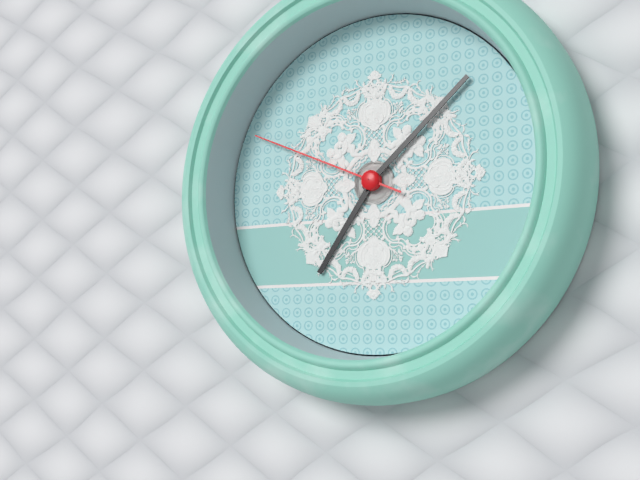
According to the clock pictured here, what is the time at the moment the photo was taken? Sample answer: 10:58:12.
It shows 7:08:49
